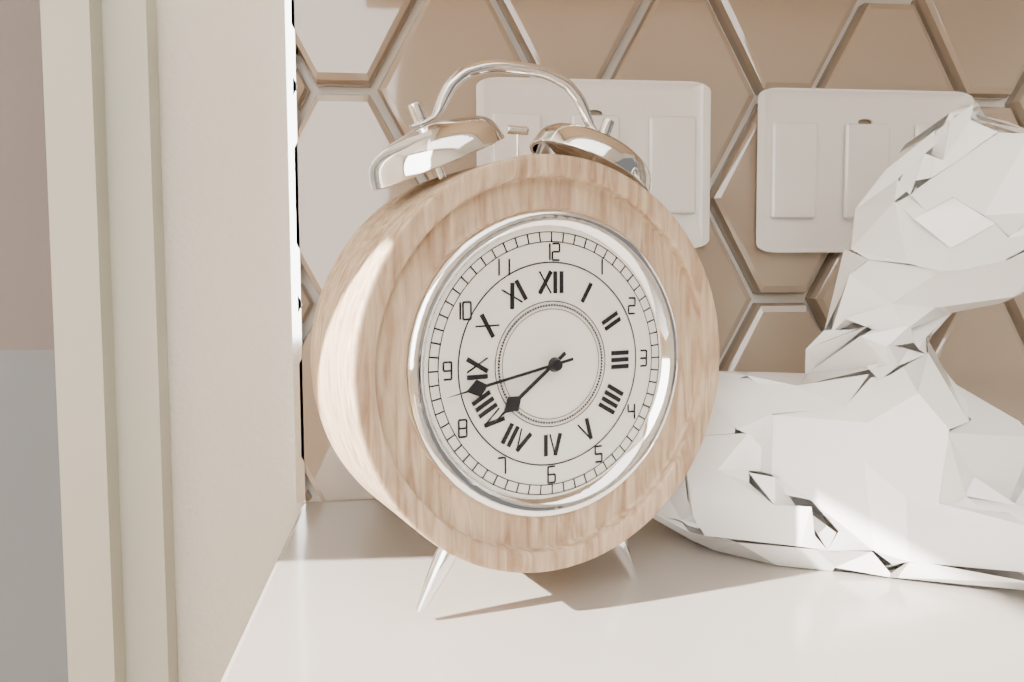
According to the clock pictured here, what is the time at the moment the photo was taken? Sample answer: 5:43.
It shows 7:43
